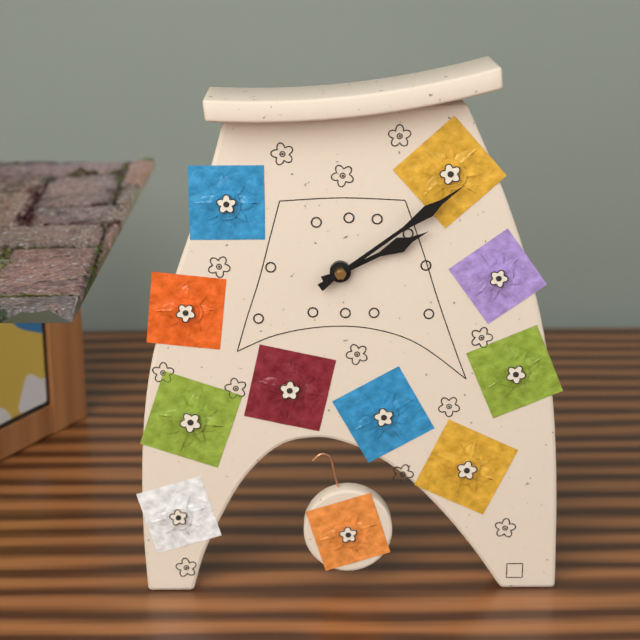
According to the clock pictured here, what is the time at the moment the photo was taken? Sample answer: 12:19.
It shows 2:09
